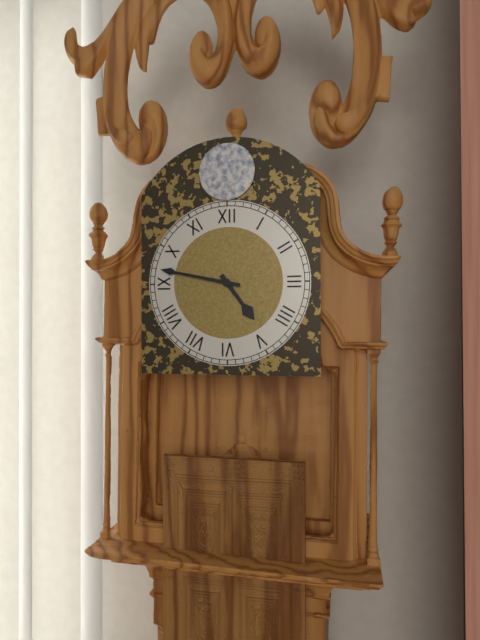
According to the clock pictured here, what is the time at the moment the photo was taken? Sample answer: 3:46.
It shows 4:47
